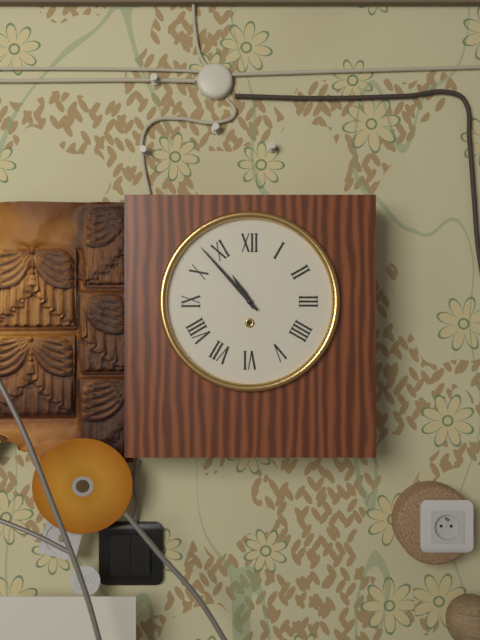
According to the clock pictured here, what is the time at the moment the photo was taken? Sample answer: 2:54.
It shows 10:53
